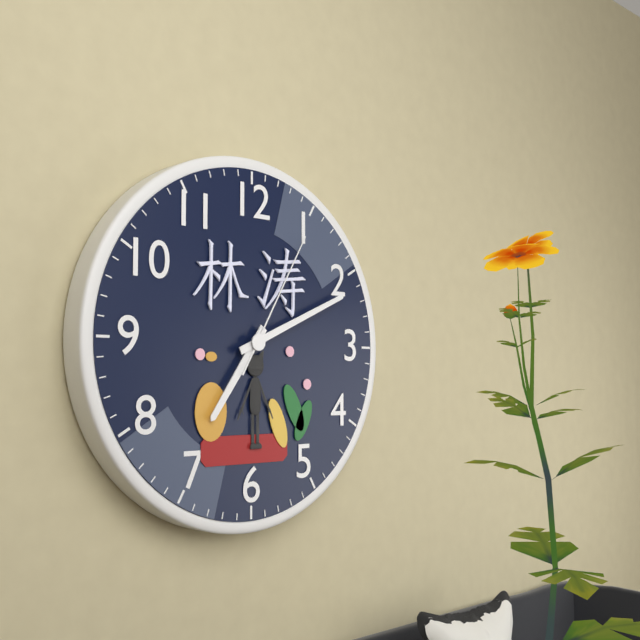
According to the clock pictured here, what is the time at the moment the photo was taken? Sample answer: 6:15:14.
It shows 7:11:05
